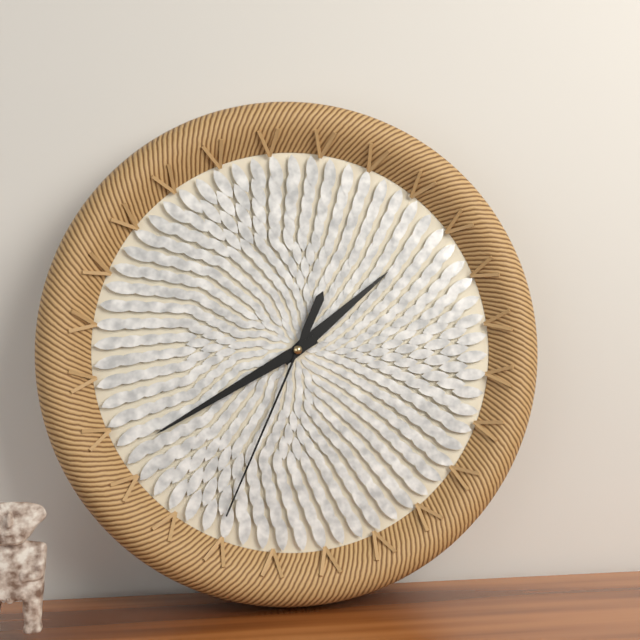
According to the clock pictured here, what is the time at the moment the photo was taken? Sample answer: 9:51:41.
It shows 1:40:34
